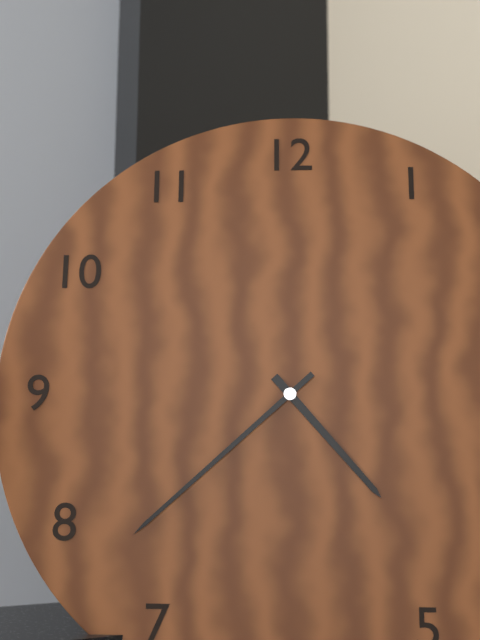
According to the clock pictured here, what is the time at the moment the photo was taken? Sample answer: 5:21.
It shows 4:38
